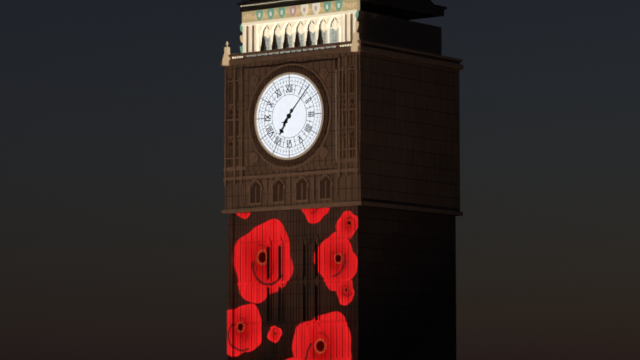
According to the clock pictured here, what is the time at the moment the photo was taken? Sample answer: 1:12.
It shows 7:07
